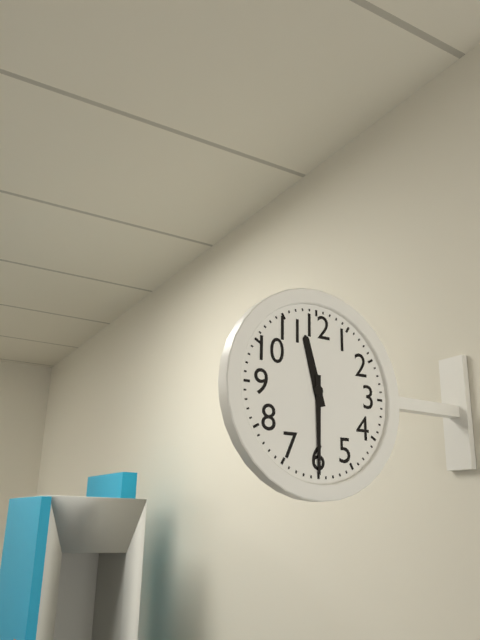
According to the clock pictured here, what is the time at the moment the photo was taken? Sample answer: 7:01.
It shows 11:30
